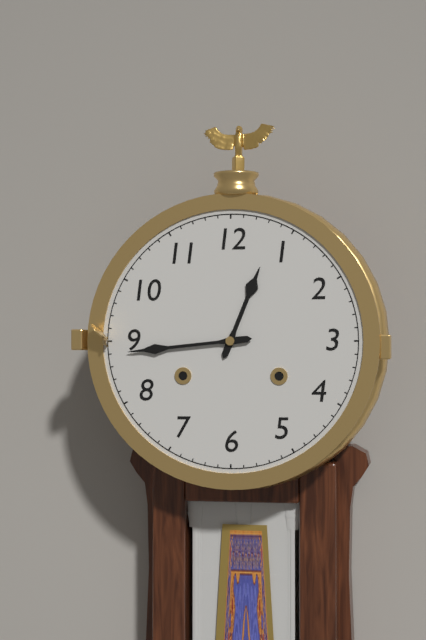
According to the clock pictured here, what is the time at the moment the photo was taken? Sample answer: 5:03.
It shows 12:44
